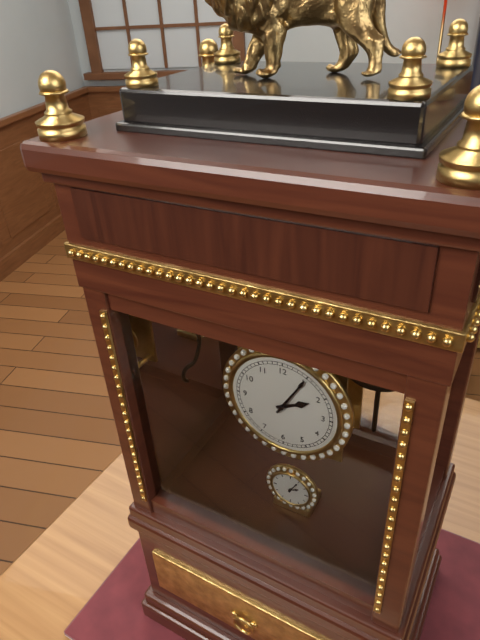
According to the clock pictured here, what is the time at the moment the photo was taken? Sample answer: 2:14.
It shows 2:05
